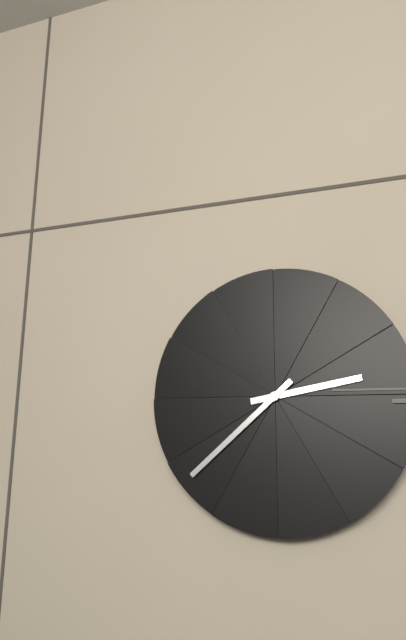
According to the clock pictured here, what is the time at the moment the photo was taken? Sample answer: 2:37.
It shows 2:38
